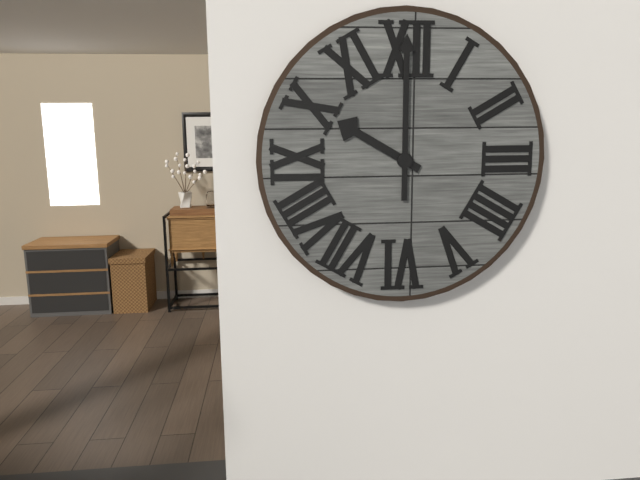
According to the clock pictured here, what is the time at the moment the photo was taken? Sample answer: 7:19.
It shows 10:00
